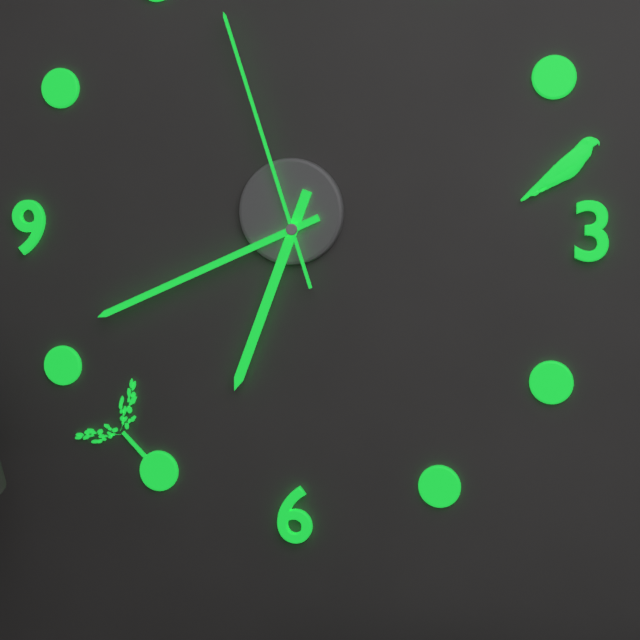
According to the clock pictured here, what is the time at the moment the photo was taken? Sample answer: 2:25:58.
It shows 6:41:57
